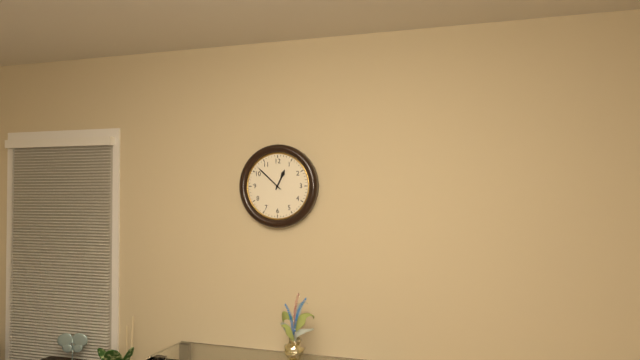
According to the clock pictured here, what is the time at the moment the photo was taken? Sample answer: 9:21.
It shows 12:52
